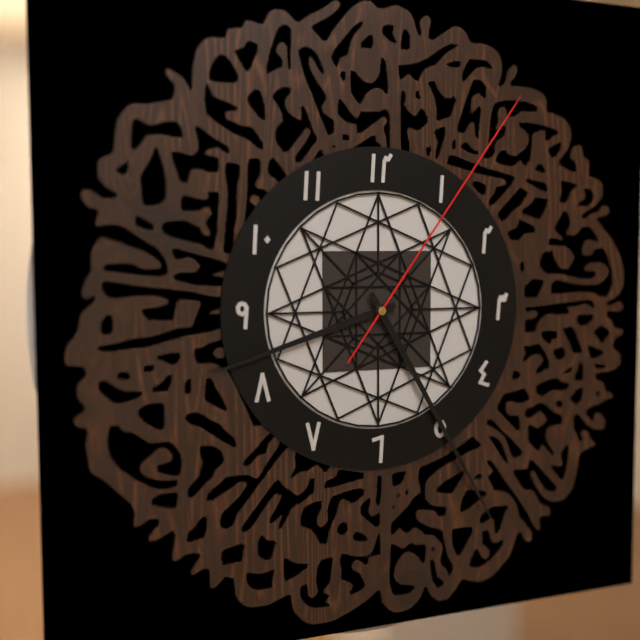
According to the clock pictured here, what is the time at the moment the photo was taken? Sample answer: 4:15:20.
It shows 8:25:06
